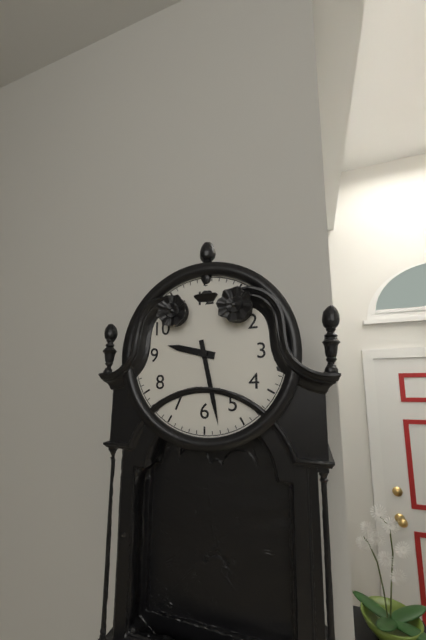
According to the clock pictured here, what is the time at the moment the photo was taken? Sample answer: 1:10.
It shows 9:28
